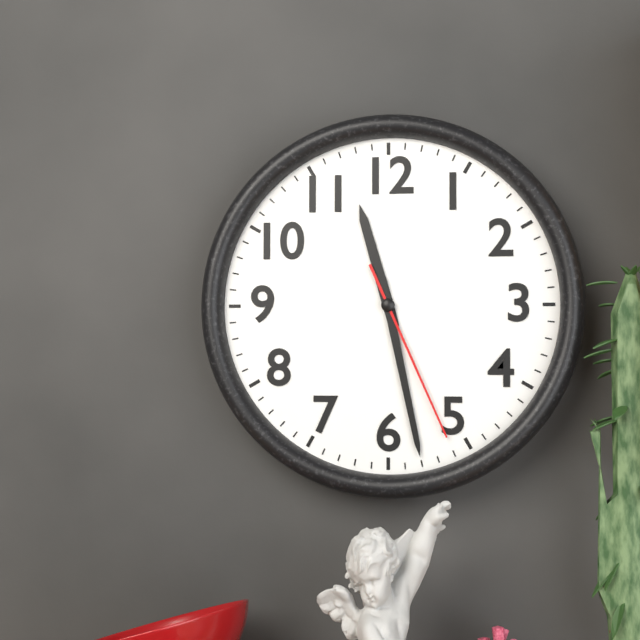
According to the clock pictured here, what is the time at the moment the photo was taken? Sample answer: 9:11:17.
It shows 11:28:26
